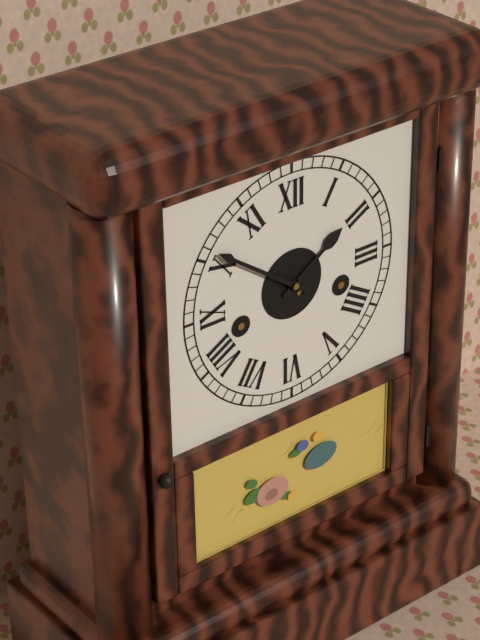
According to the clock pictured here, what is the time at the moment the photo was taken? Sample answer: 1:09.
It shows 1:51
